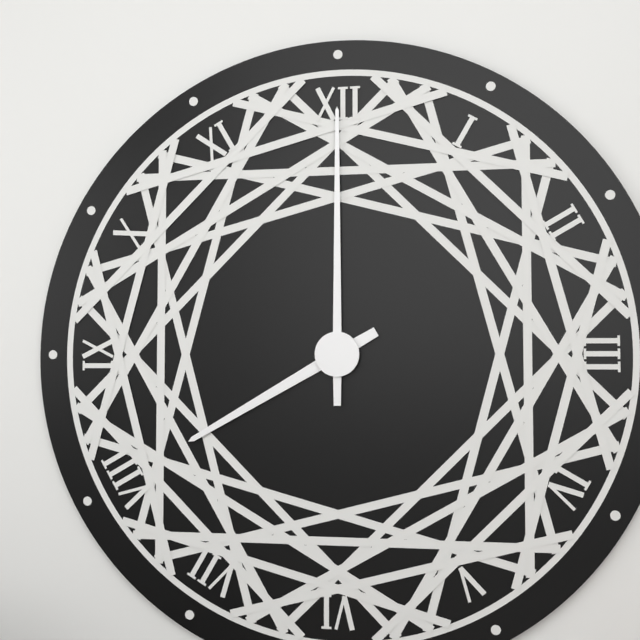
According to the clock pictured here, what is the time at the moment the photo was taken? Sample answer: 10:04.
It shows 8:00
